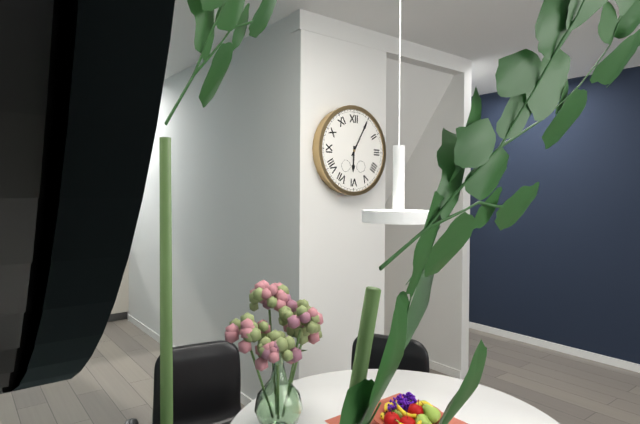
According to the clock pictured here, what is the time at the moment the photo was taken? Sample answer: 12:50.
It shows 6:05
